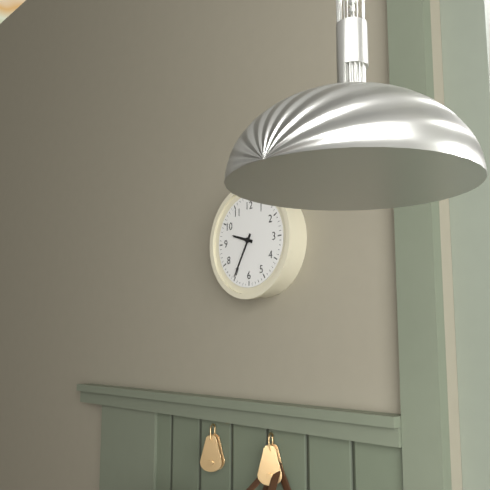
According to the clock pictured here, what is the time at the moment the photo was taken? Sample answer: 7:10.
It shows 9:35
